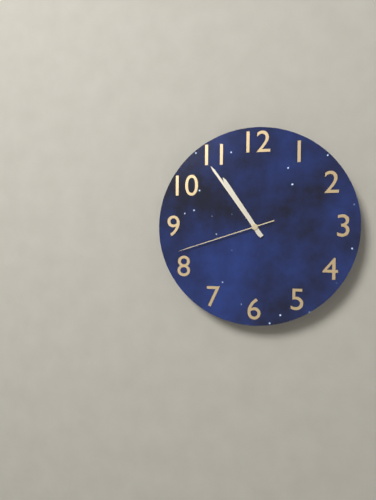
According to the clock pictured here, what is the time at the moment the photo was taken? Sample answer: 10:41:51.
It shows 10:54:42
